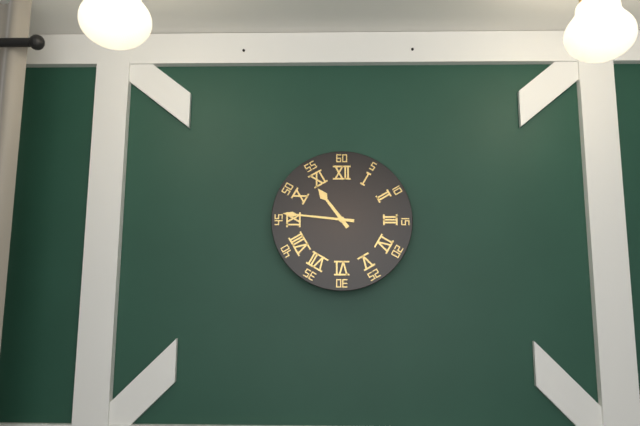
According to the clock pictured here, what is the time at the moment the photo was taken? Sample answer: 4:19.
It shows 10:46
